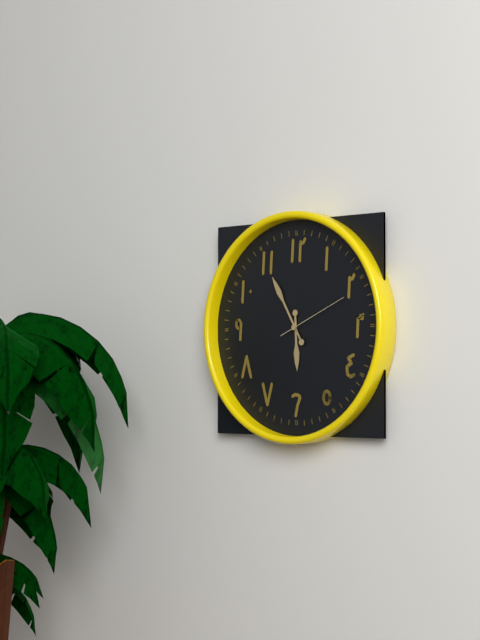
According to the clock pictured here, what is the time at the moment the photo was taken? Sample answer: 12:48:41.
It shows 5:55:11
